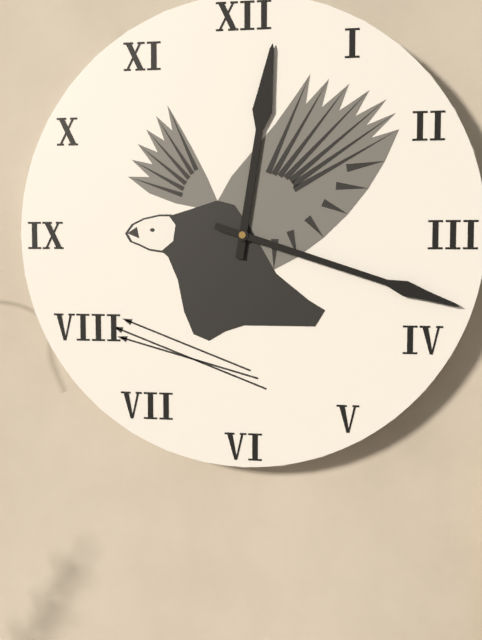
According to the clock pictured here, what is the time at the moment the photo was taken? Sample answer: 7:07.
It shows 12:18
